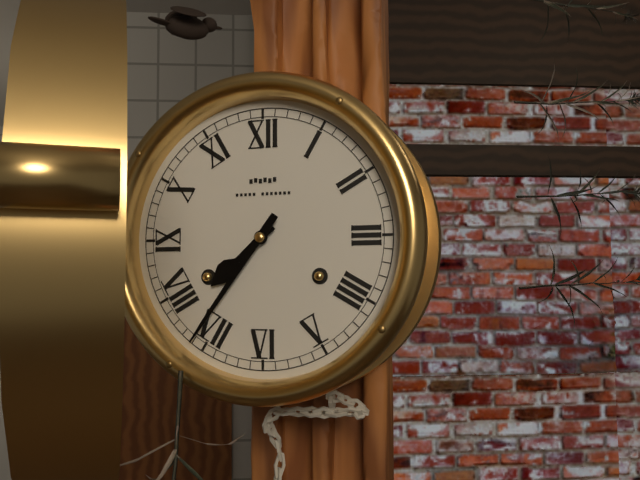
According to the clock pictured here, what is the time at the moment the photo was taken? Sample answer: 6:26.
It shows 7:36
